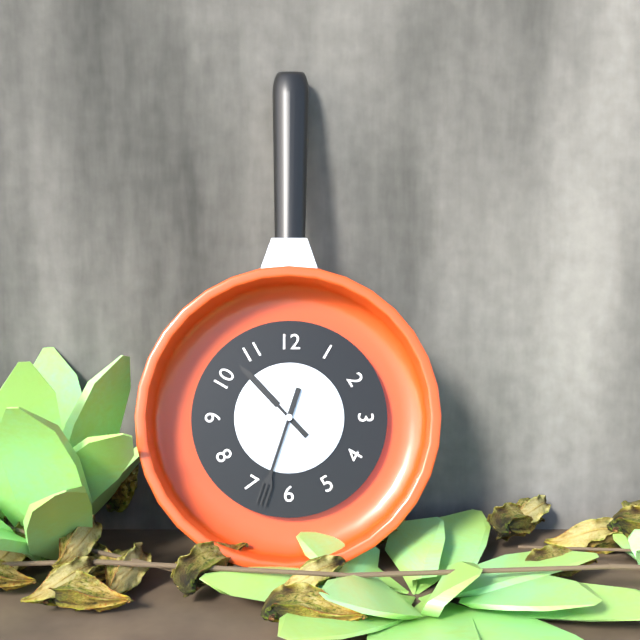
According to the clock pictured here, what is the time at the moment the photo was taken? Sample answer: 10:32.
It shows 10:33
